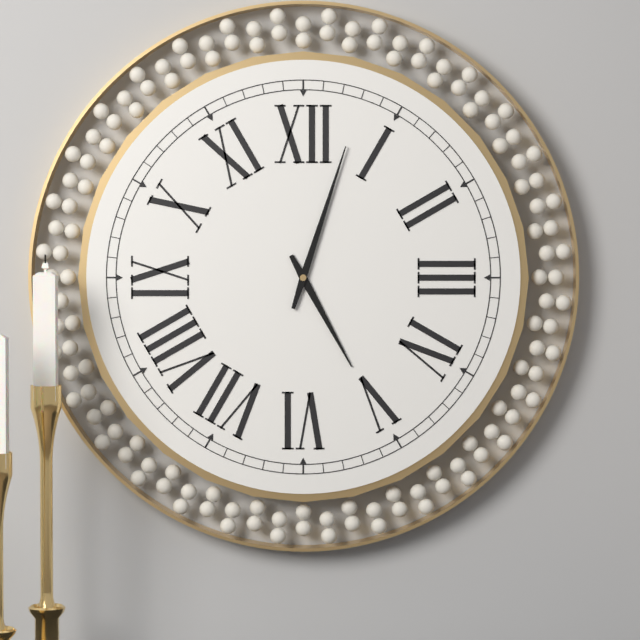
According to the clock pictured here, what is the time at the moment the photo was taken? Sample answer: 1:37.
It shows 5:03
